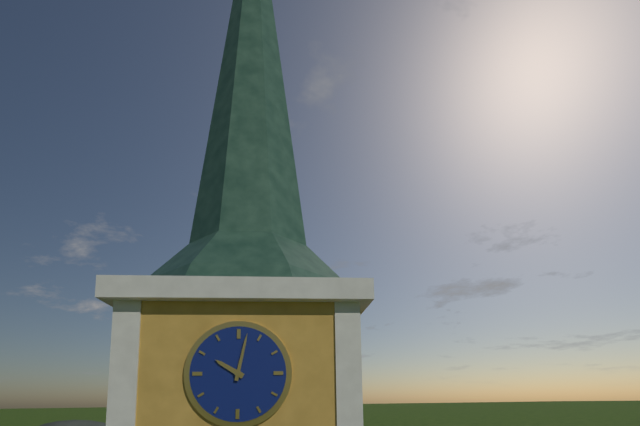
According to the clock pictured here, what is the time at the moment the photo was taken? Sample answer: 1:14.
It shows 10:02
